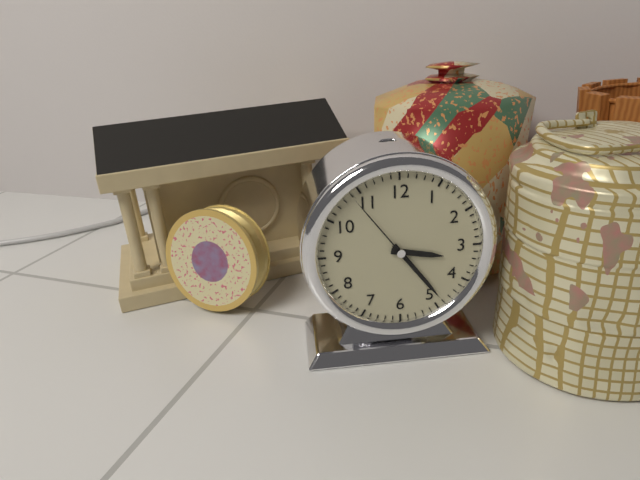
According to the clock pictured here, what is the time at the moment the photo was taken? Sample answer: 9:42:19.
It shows 3:24:54
